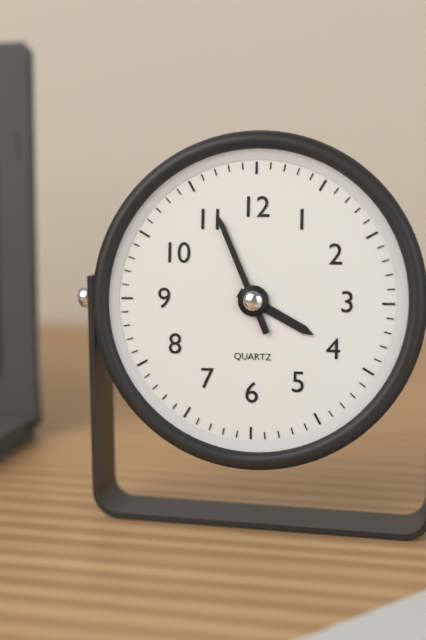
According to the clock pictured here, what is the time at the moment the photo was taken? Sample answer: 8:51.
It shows 3:56
